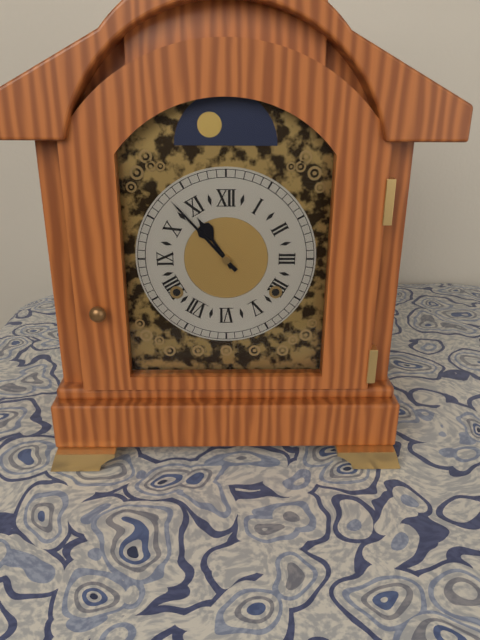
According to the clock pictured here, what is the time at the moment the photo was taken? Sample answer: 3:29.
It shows 10:53
